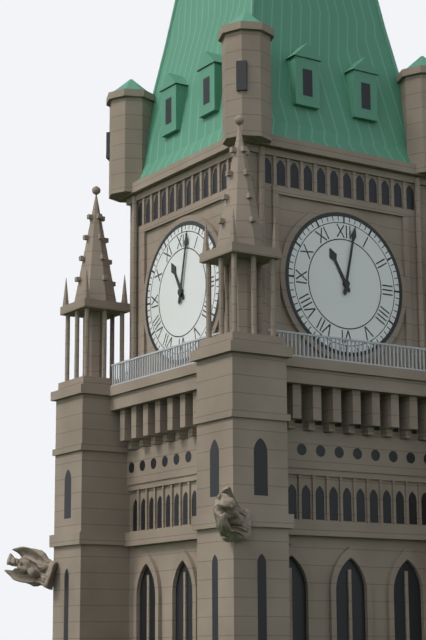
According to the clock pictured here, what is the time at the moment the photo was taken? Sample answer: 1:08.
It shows 11:02
